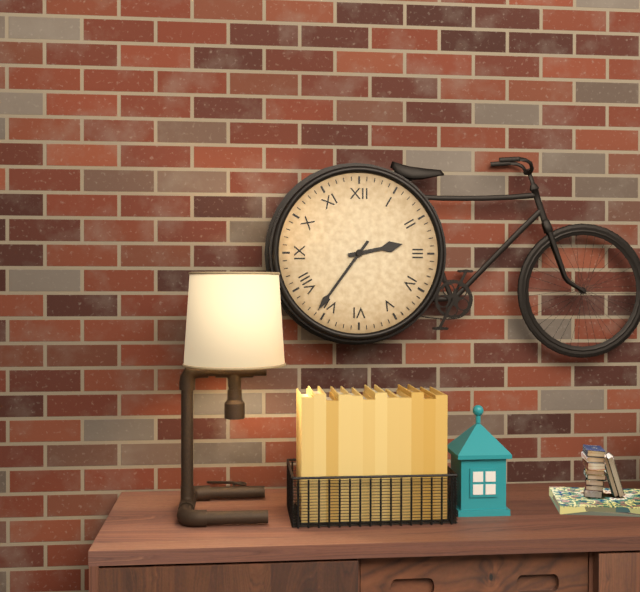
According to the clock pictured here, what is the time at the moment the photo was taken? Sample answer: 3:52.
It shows 2:36
